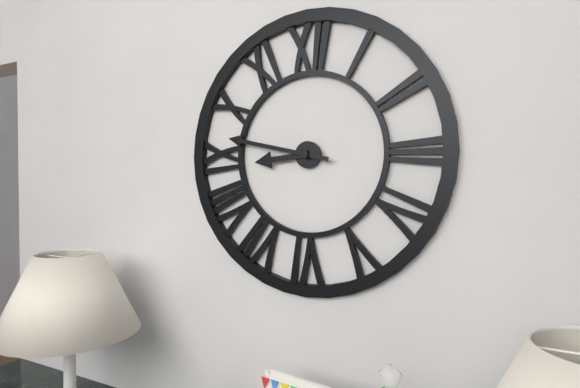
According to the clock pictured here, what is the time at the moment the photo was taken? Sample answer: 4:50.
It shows 8:47
